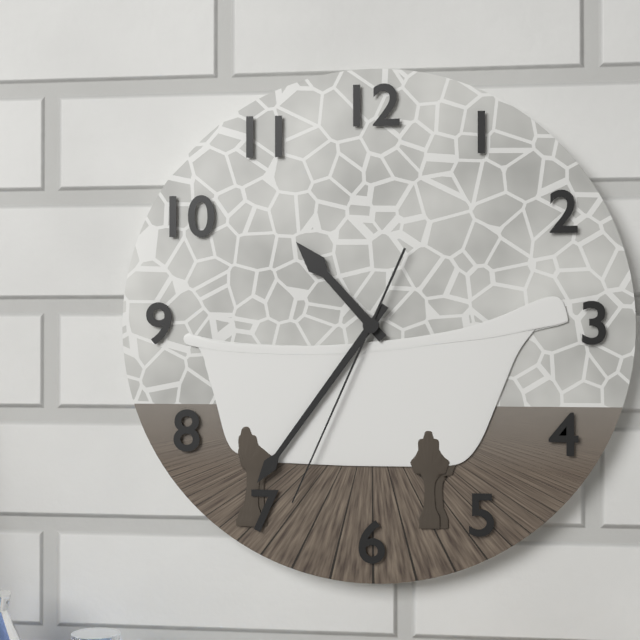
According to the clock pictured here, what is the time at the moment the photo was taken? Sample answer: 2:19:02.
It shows 10:36:34
